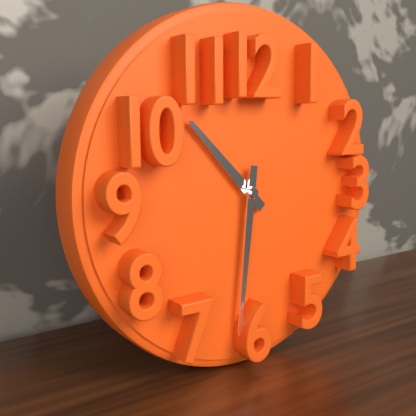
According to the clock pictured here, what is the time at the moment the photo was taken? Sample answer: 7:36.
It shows 10:31
